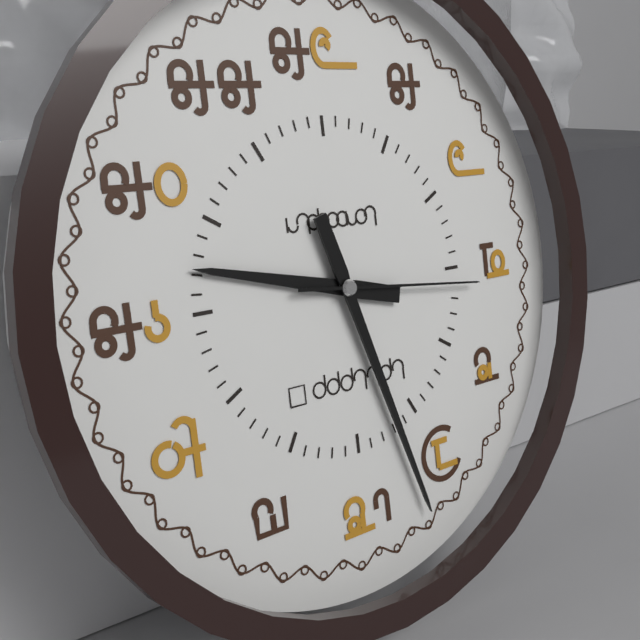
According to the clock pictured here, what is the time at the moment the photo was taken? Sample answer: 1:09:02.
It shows 9:27:16
